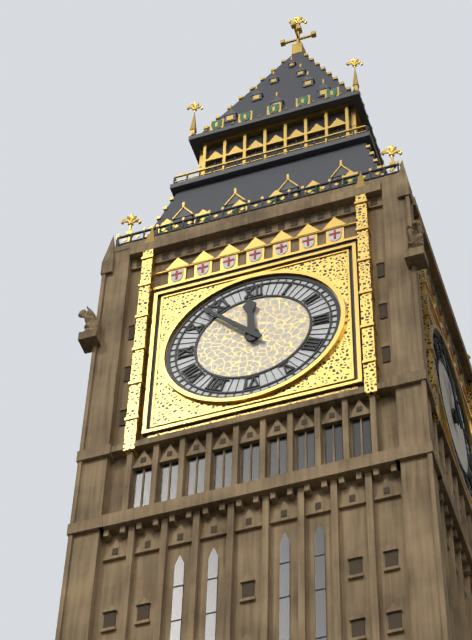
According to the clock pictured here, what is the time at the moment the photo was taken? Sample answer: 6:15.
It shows 11:53
